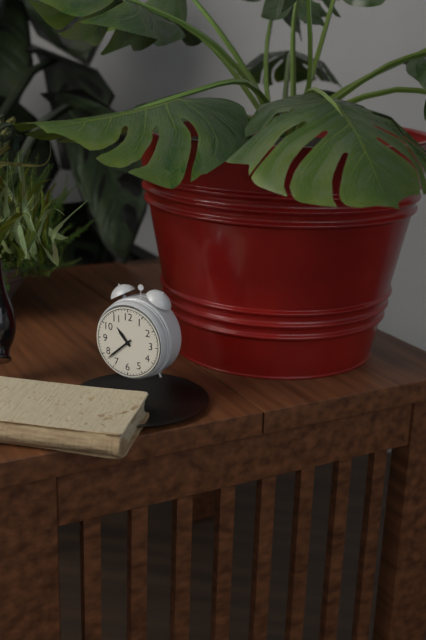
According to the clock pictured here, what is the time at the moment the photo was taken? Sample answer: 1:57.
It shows 10:38
